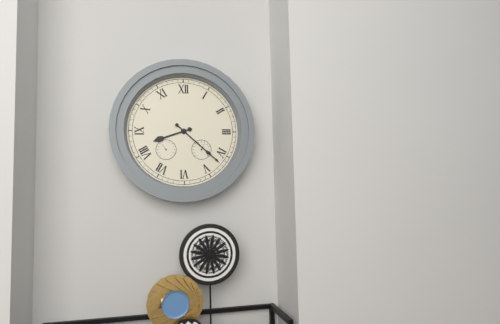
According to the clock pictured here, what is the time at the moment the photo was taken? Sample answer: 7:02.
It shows 8:22
